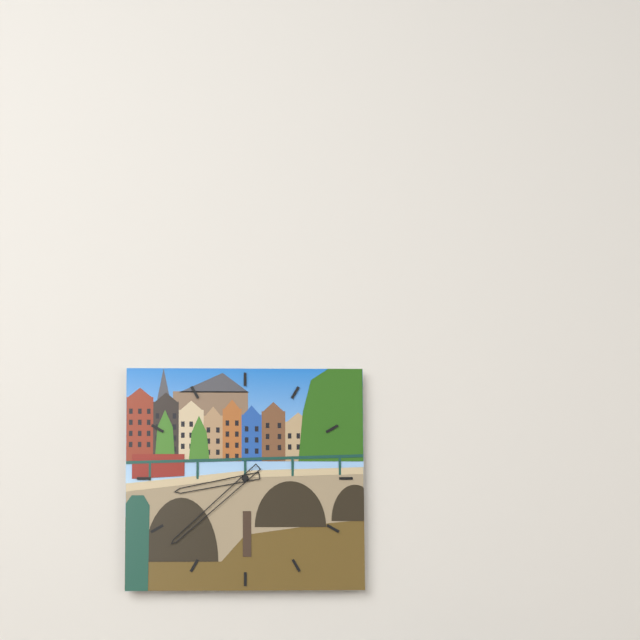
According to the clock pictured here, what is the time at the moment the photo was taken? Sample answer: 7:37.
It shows 8:38
